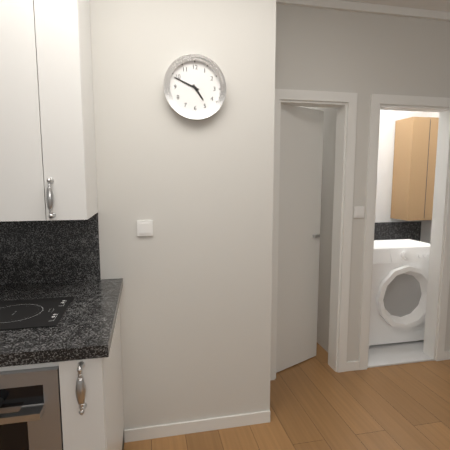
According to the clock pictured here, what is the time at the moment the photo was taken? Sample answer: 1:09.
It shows 4:49
